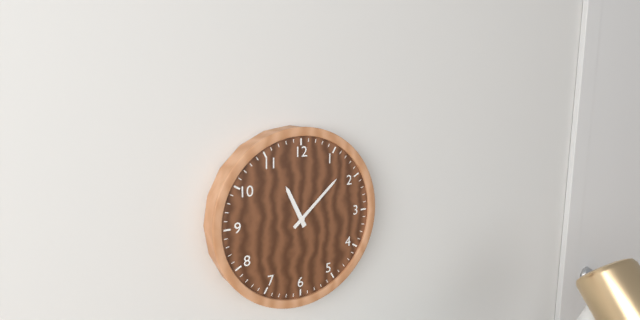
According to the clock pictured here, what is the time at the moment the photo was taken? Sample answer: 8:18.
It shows 11:08
